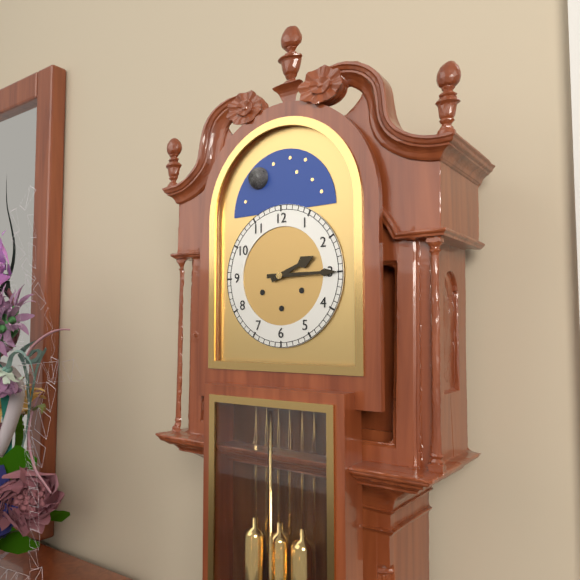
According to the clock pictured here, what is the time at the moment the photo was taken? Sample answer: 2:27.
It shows 2:15
